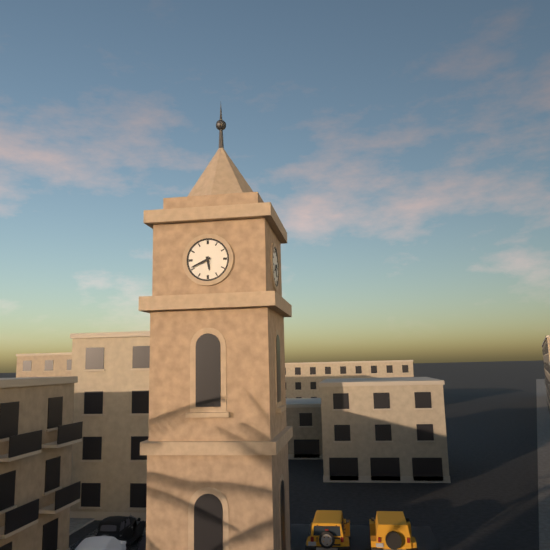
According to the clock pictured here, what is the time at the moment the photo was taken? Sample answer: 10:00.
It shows 5:41
